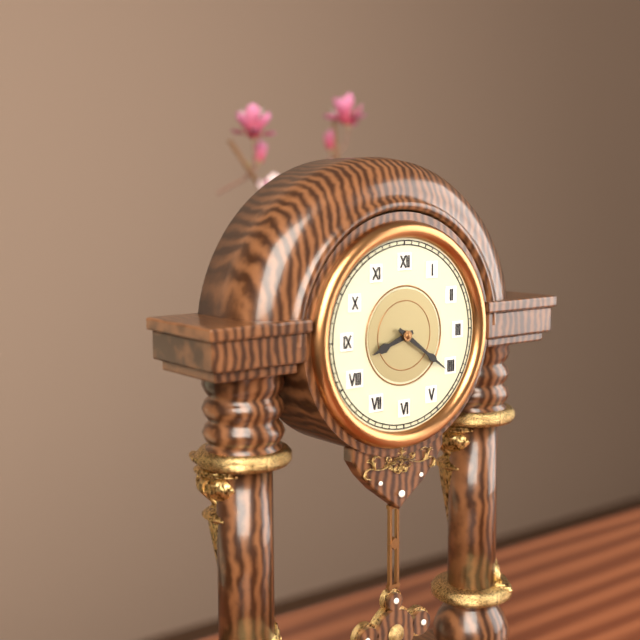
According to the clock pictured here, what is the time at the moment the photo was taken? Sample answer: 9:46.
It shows 8:21
